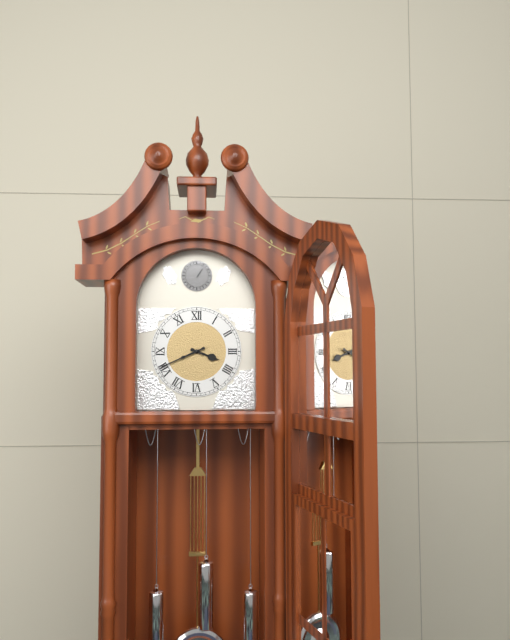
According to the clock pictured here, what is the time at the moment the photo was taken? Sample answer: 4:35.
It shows 3:41
